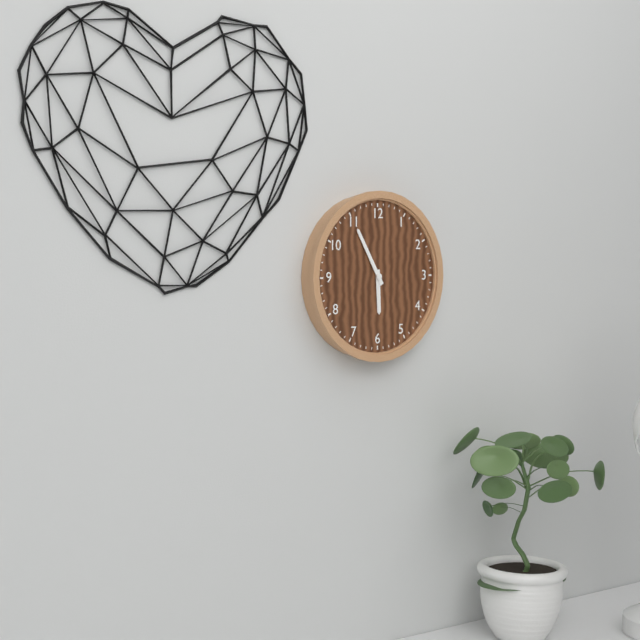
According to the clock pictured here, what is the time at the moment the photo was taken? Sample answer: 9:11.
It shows 5:55
